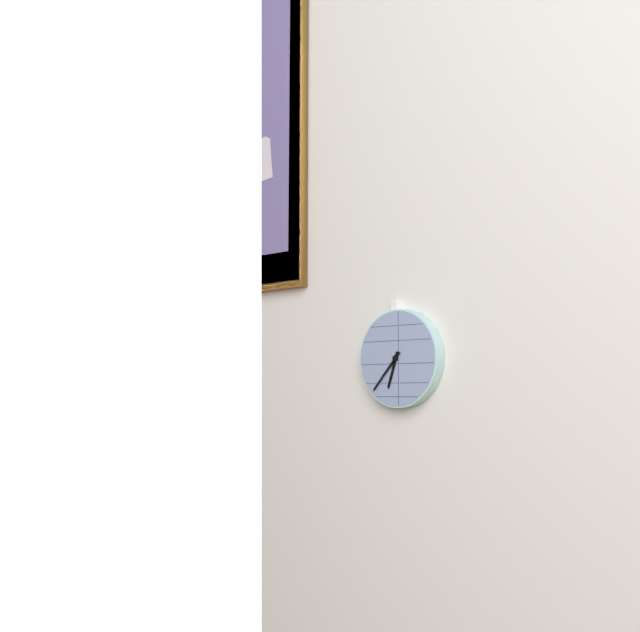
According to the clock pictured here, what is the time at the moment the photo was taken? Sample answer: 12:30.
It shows 6:37
